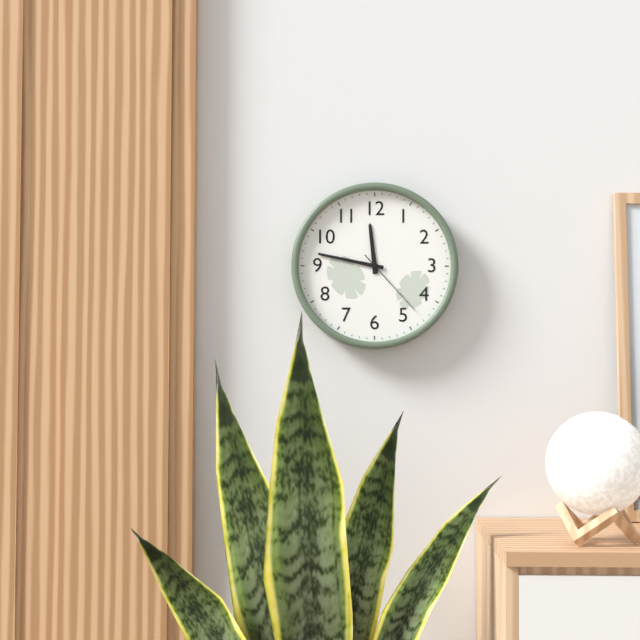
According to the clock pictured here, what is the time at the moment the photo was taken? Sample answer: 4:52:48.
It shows 11:47:23
